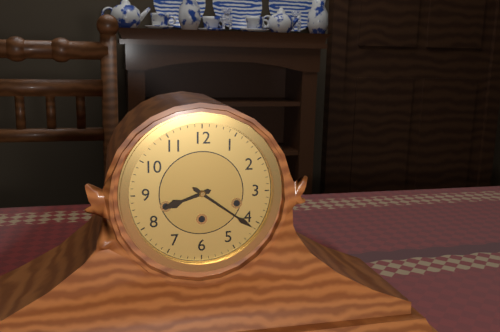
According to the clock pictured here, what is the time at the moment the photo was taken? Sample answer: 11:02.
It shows 8:21
